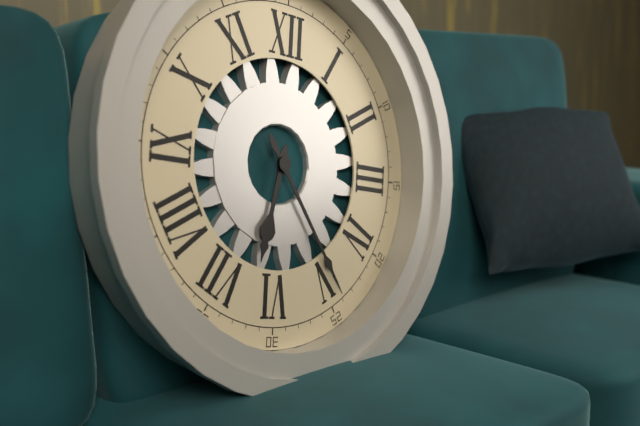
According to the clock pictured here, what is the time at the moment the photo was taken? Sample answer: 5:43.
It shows 6:24
